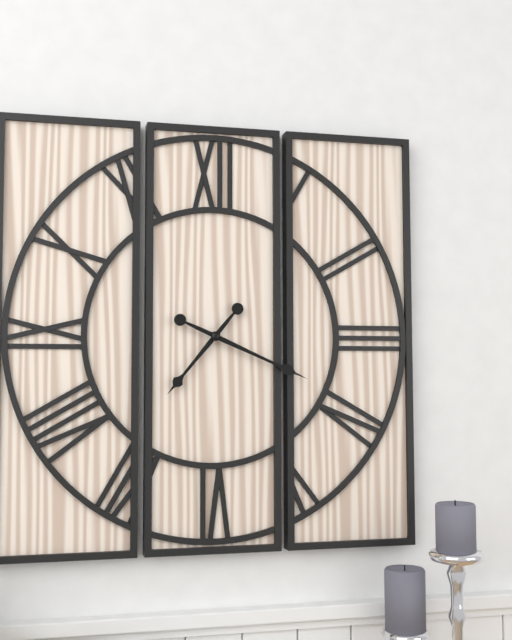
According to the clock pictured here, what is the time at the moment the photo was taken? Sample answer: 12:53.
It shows 7:19
